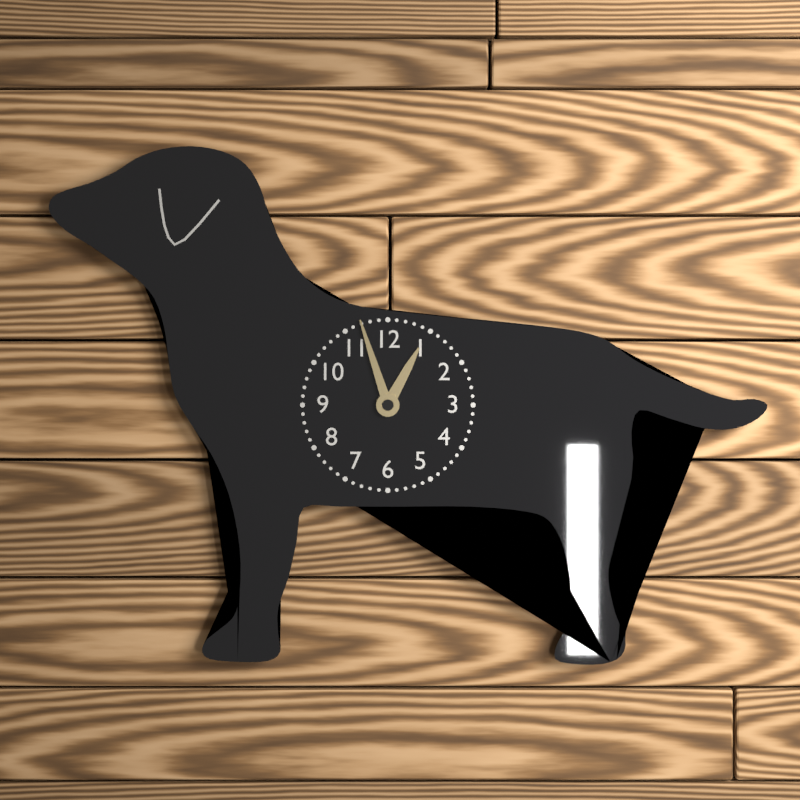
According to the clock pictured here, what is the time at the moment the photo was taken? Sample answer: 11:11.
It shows 12:57
